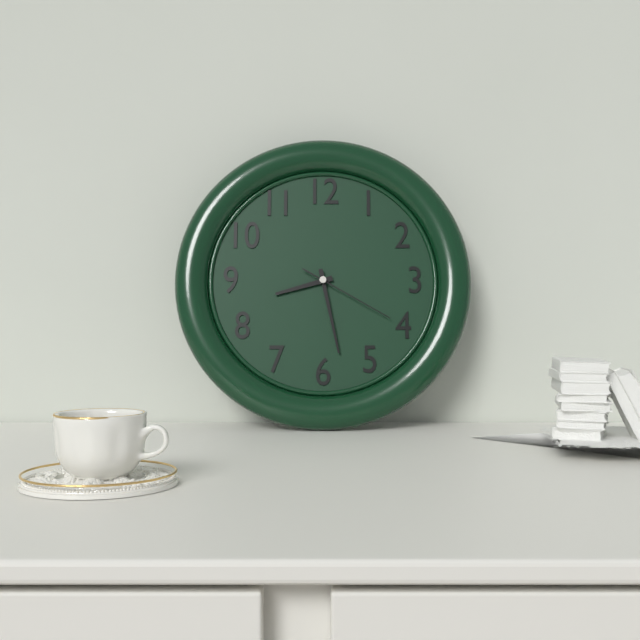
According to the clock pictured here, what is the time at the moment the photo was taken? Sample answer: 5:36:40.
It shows 8:28:20
